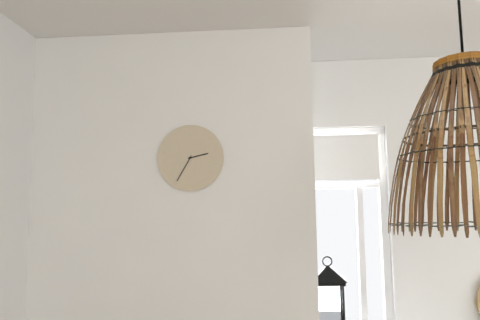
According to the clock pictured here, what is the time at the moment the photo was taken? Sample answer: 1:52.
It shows 2:35
